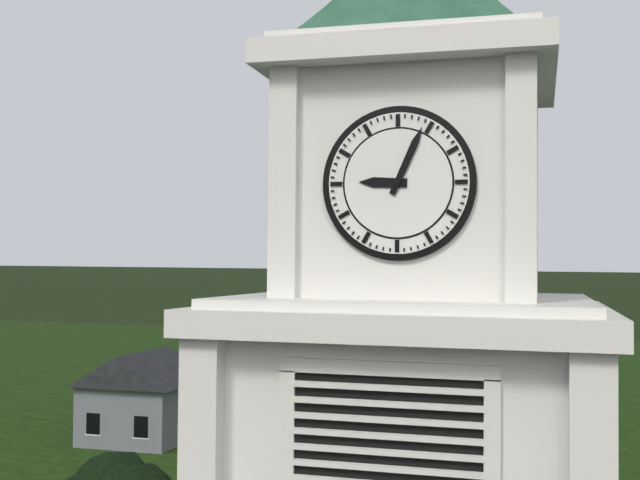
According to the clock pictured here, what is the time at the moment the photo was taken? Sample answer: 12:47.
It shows 9:04
